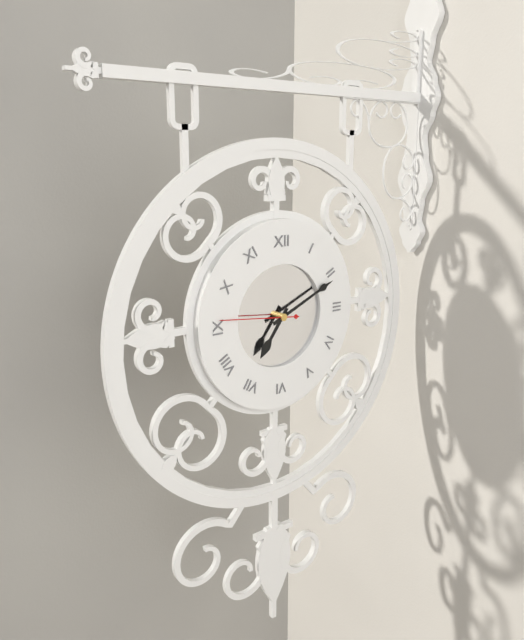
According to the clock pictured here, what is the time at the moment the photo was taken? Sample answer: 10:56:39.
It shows 7:11:46
